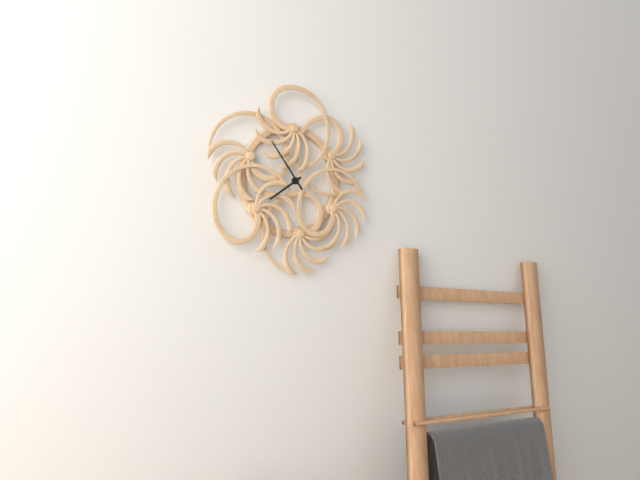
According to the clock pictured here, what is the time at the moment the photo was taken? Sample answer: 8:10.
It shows 7:54
